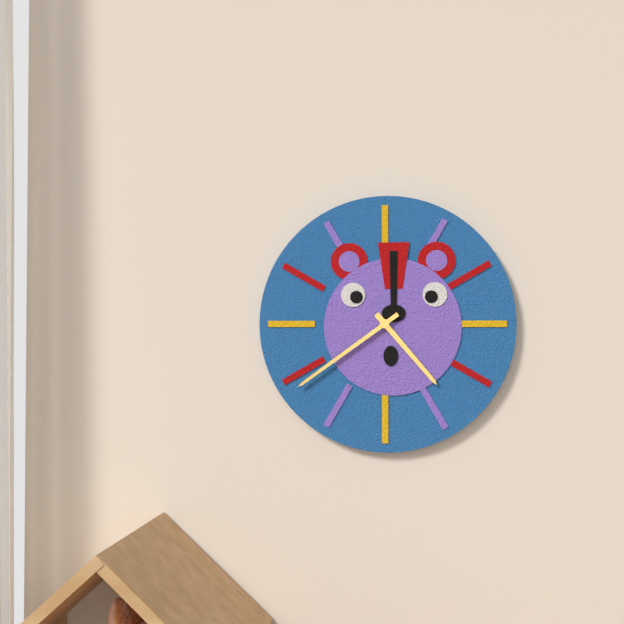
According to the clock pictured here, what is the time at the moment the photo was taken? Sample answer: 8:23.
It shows 4:39
